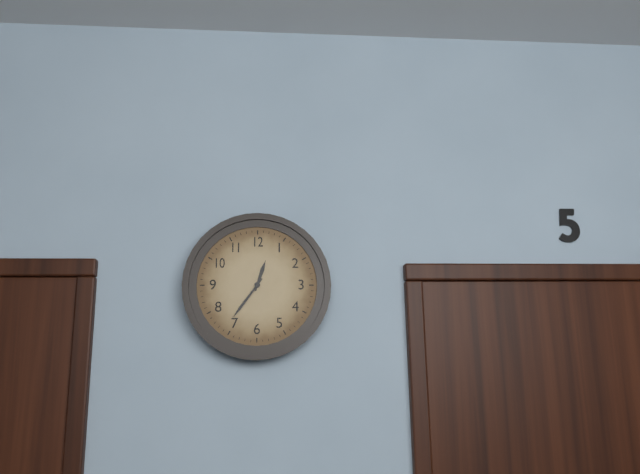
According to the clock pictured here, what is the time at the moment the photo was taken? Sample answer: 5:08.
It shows 12:36
